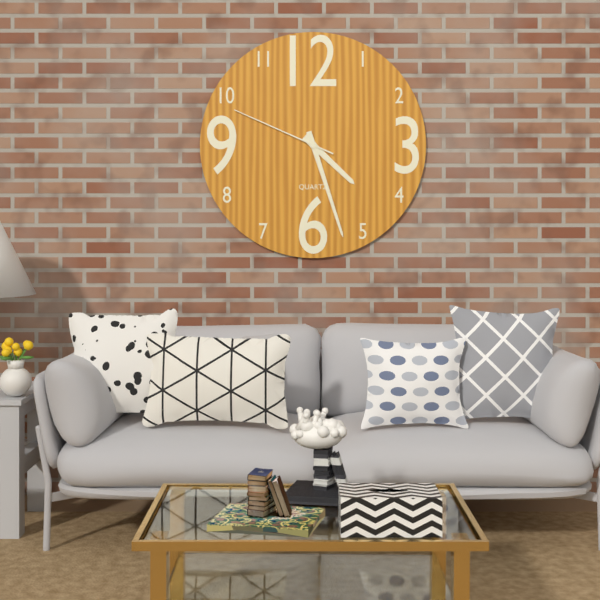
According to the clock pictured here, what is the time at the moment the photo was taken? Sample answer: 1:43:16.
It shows 4:27:49
